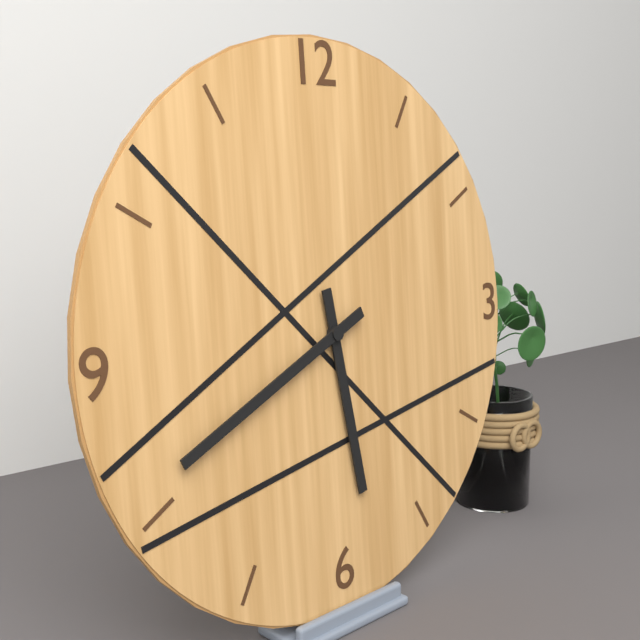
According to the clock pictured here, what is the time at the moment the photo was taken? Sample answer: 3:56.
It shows 5:41
